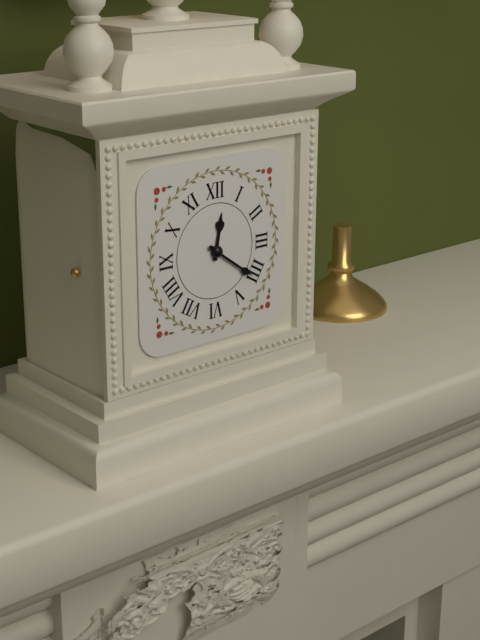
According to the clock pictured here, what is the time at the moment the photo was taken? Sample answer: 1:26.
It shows 12:21
